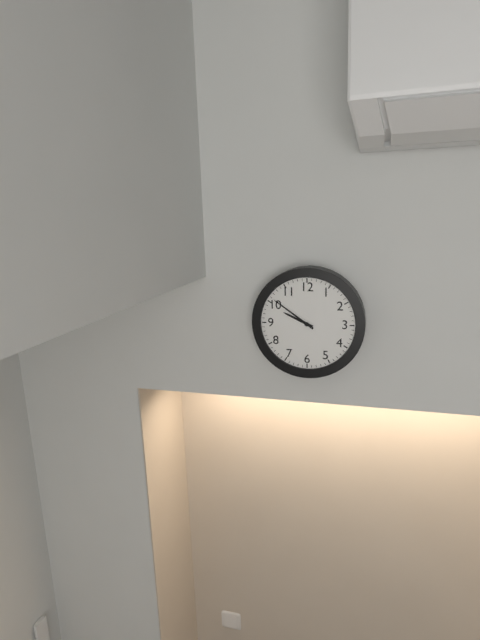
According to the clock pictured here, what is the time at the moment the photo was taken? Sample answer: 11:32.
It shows 9:51
